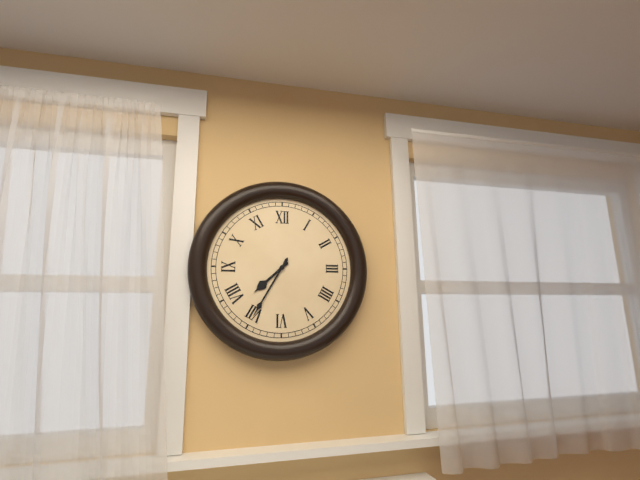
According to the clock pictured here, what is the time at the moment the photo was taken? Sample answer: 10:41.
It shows 7:35
